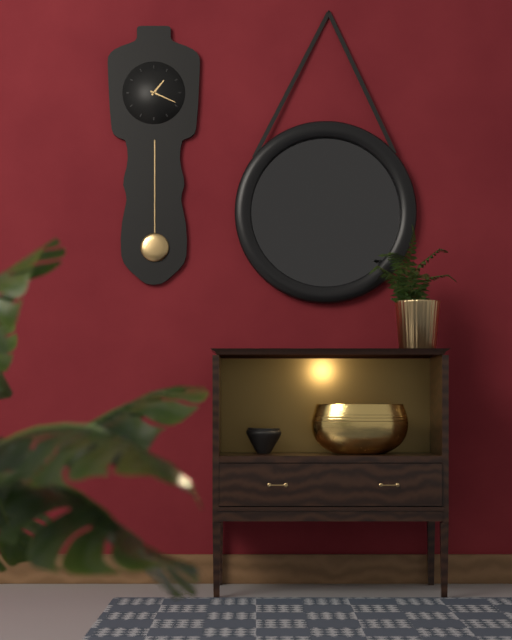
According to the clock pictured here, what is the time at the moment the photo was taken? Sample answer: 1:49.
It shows 1:19
